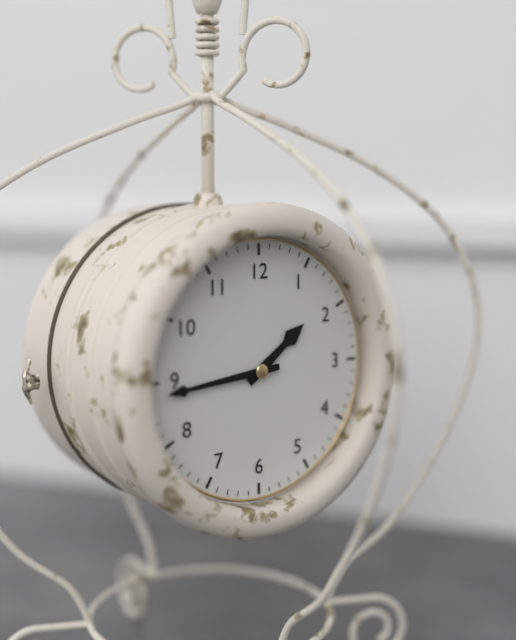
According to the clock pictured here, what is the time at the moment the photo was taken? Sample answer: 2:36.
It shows 1:44
